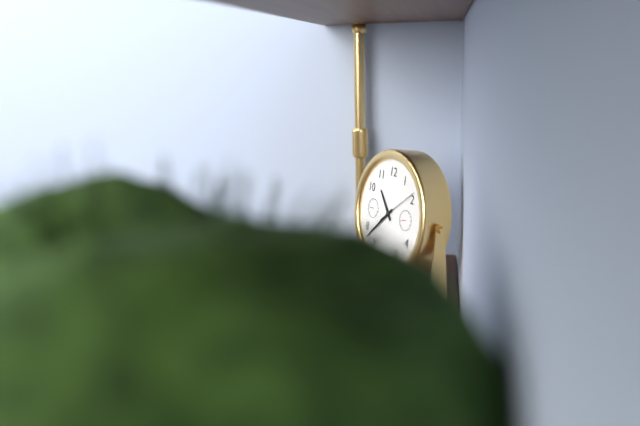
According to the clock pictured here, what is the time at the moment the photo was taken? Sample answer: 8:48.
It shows 10:38
